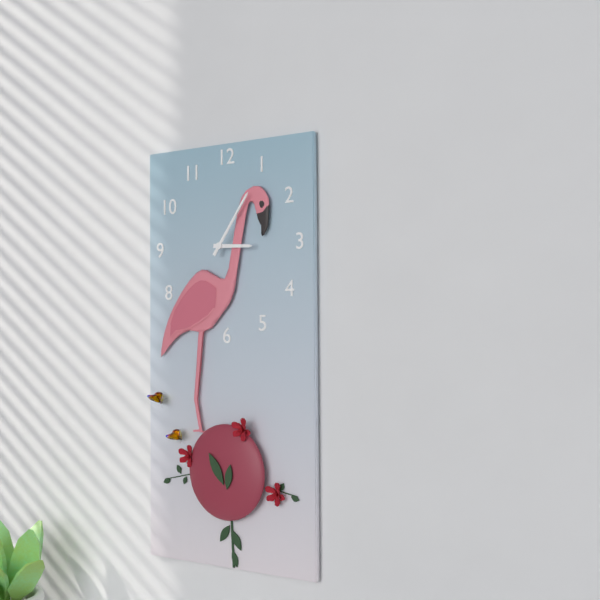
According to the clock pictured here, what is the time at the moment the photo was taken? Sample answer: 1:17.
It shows 3:06
